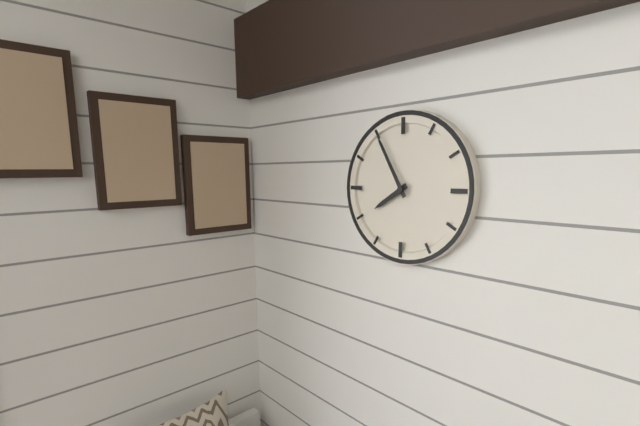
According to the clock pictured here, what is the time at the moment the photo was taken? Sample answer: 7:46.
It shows 7:55
